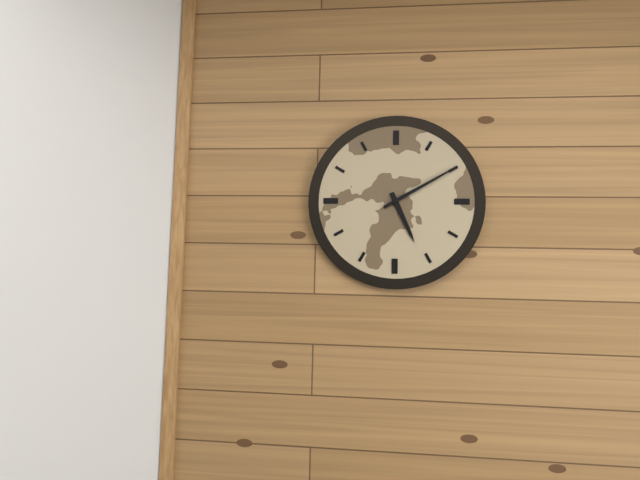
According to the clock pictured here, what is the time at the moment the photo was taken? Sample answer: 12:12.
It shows 5:10
